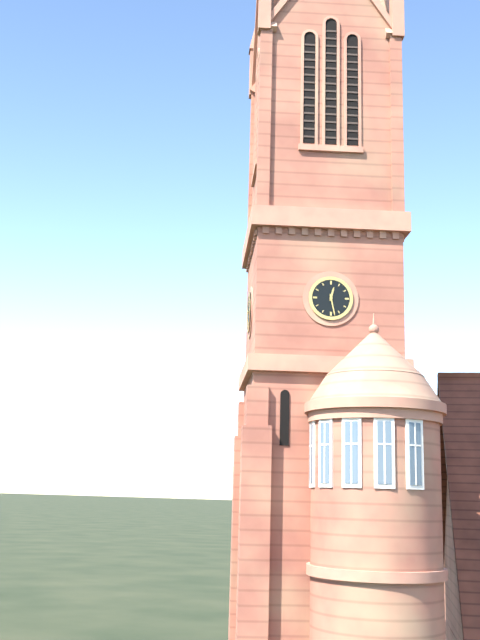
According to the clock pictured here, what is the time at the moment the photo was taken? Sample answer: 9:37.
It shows 12:28
